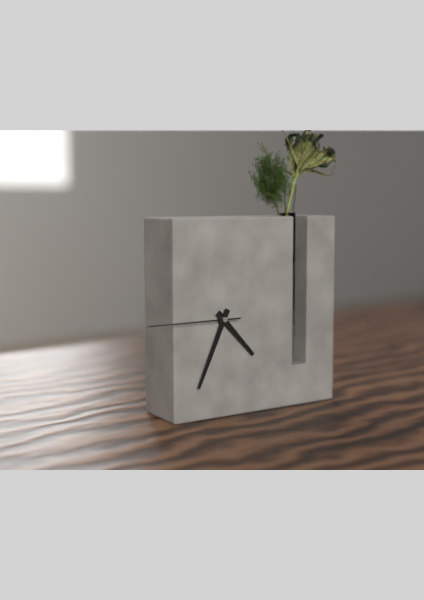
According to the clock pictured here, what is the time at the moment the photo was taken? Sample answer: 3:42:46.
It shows 4:34:45
